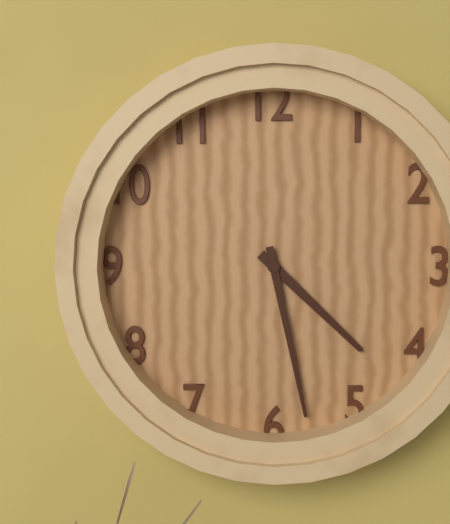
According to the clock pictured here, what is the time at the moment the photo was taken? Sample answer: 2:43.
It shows 4:28
